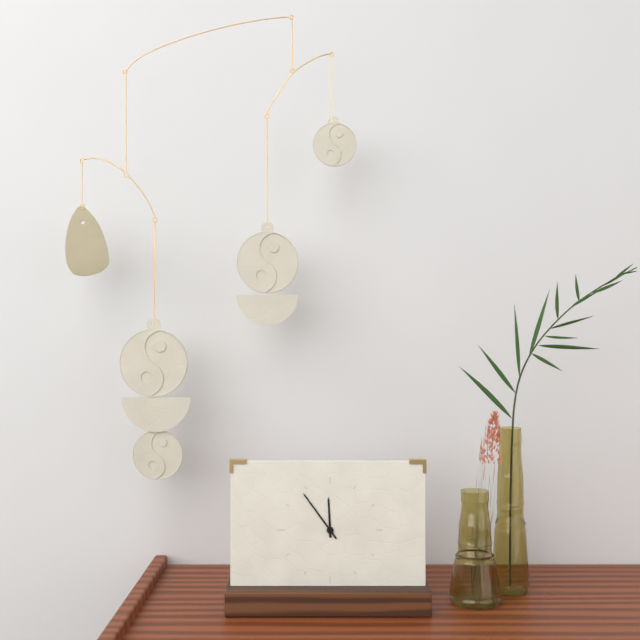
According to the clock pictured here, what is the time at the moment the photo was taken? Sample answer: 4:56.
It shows 11:54
